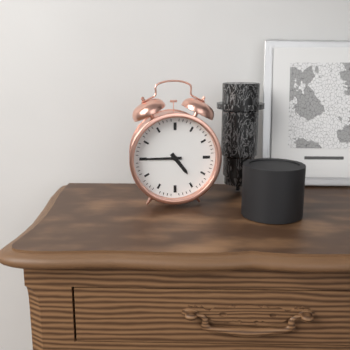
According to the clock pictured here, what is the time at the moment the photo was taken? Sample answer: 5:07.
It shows 4:45
